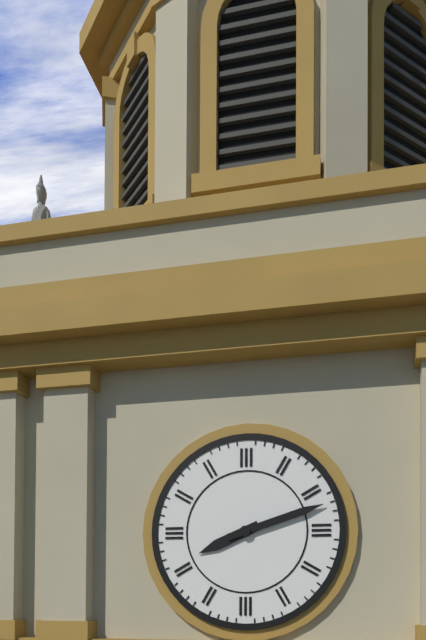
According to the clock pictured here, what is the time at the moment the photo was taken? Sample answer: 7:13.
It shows 8:12
